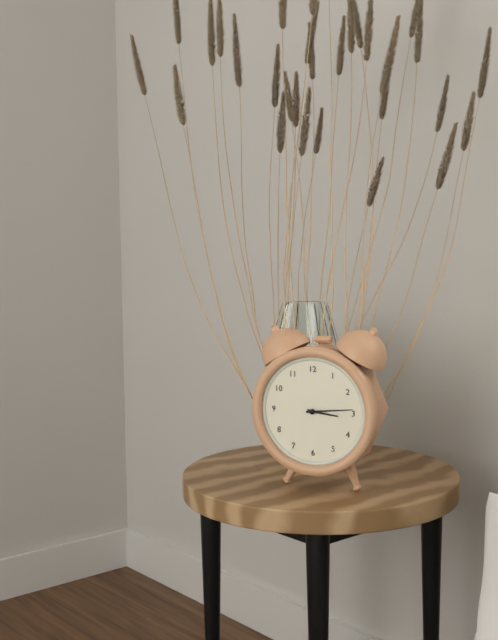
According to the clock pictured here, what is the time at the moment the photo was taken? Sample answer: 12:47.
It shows 3:14
